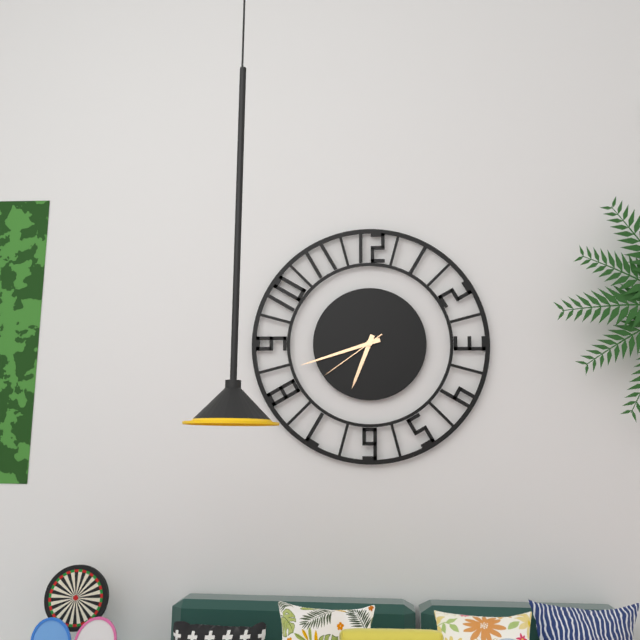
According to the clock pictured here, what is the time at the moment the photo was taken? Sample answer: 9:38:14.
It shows 6:42:39
